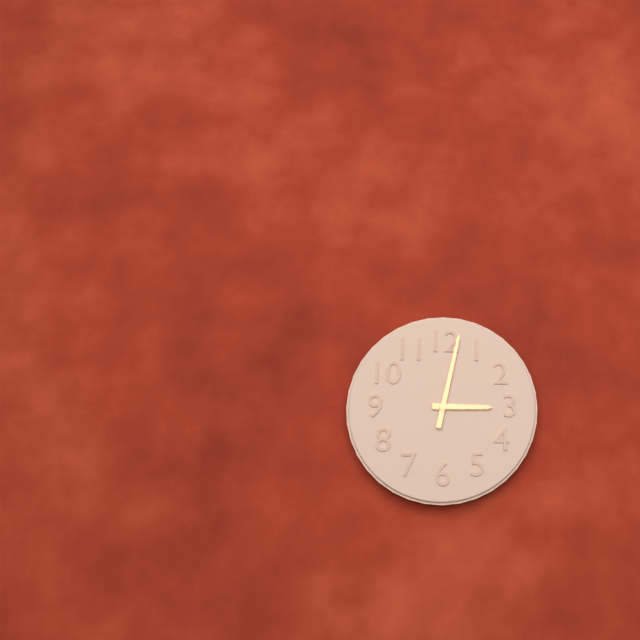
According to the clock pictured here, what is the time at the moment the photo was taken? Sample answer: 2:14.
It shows 3:02
